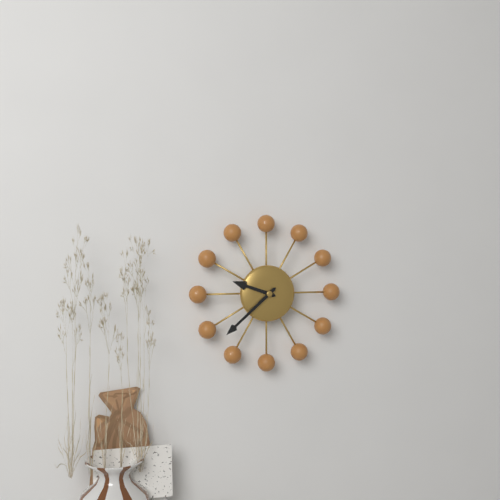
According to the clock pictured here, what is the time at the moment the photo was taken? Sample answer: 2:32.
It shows 9:38
